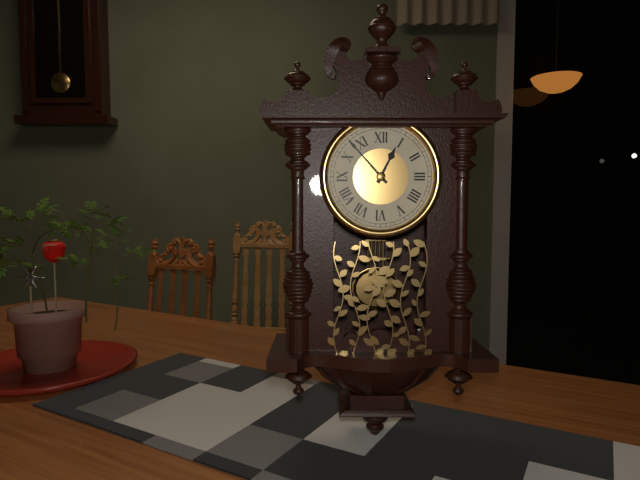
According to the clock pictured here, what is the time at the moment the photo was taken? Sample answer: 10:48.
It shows 12:53
